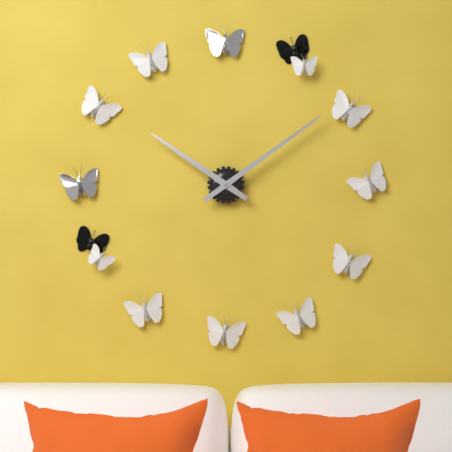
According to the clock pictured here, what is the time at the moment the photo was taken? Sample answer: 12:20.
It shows 10:09
